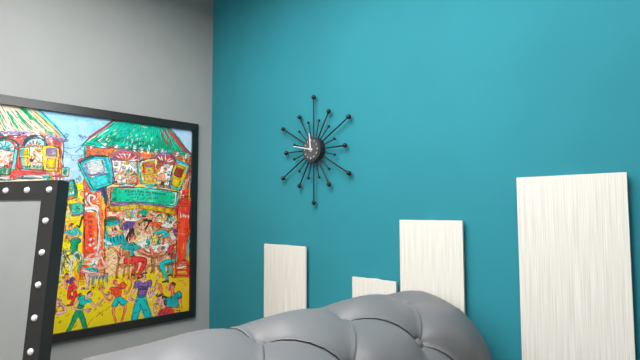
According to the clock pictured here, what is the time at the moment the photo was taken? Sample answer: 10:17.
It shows 11:47
